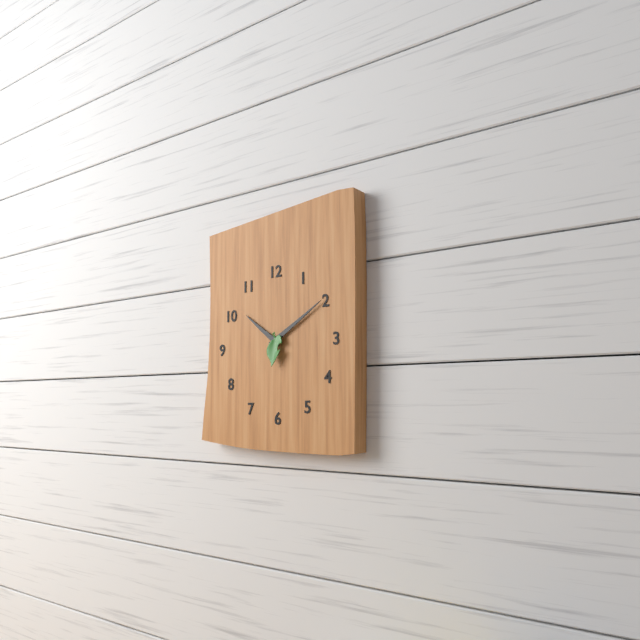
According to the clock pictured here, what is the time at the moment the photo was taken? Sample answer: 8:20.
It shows 10:10
